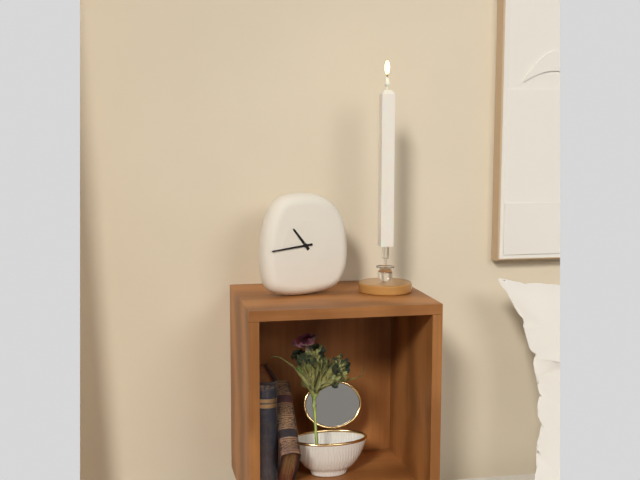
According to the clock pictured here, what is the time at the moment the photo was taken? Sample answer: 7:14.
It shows 10:44
